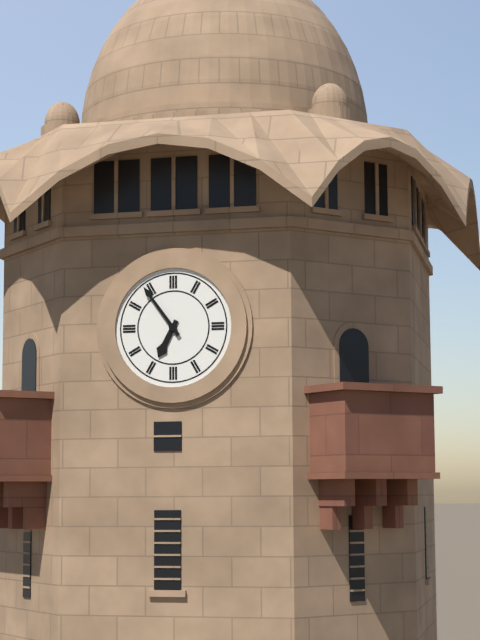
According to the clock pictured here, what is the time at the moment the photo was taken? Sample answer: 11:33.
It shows 6:54
